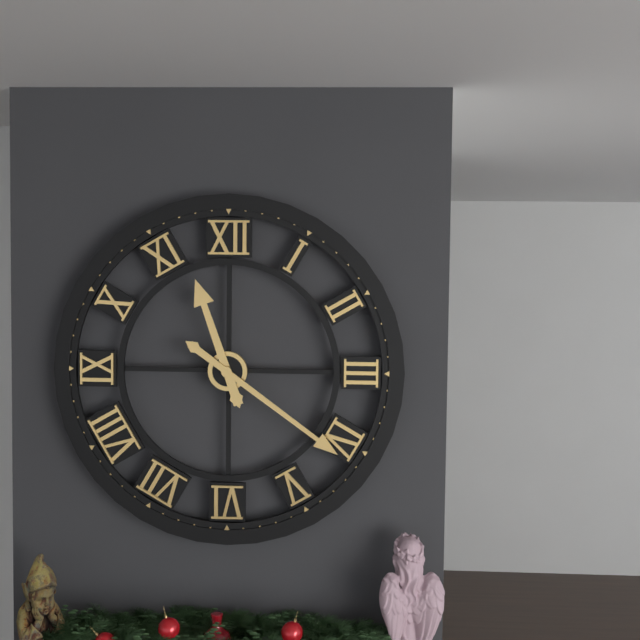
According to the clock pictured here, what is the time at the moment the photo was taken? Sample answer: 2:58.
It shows 11:21
